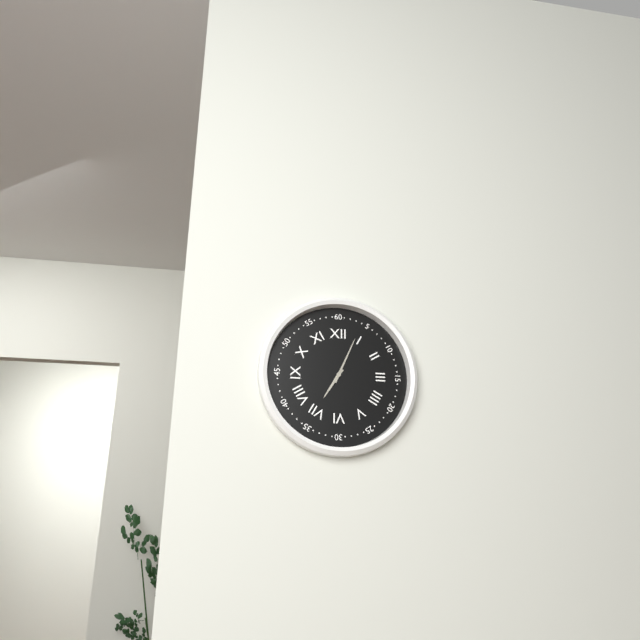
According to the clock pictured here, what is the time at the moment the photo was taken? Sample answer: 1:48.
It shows 7:04
